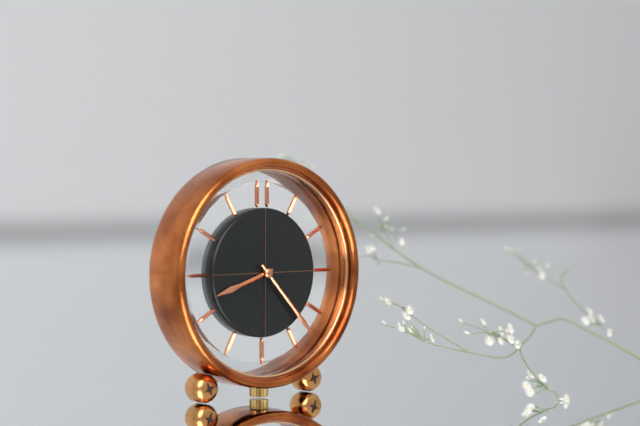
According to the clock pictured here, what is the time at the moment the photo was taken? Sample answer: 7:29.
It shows 8:23
